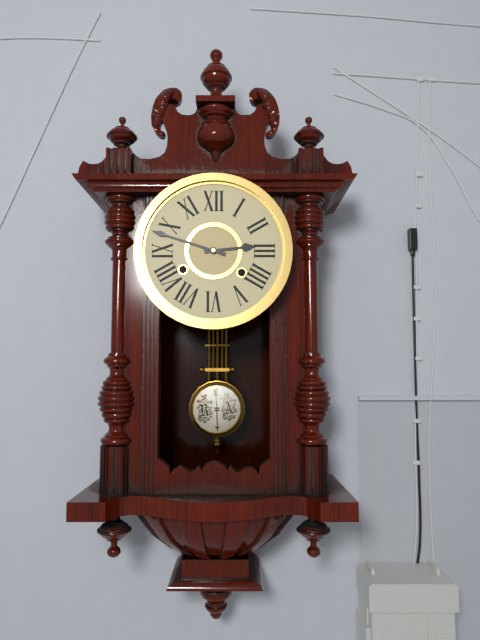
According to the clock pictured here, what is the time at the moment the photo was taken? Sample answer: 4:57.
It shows 2:48
